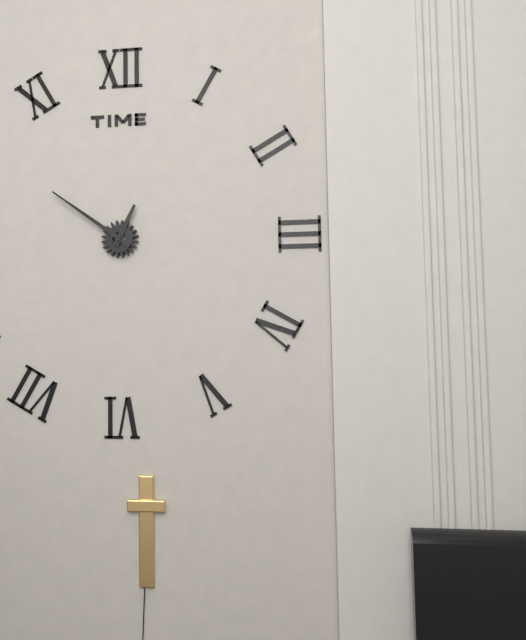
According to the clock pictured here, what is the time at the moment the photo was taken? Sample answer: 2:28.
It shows 12:51
